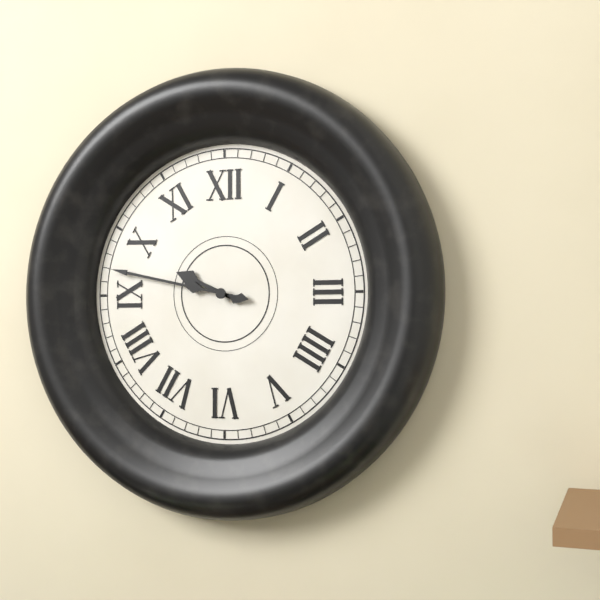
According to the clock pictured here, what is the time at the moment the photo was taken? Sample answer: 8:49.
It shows 9:47
